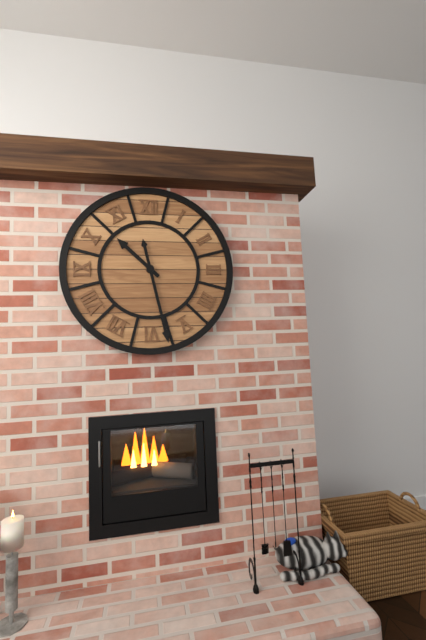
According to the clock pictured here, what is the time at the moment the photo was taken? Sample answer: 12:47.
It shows 10:28
